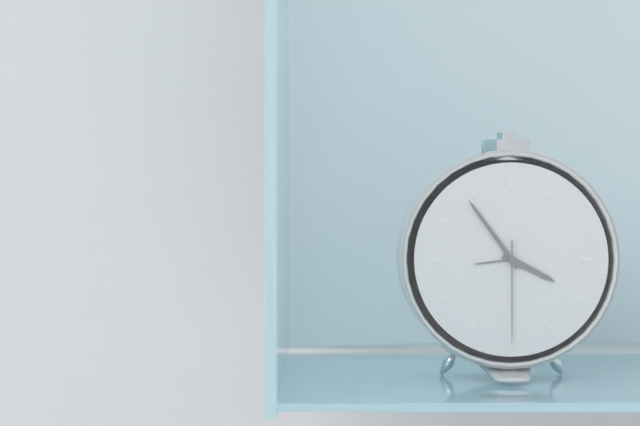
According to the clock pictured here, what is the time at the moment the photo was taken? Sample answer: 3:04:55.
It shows 3:54:30
